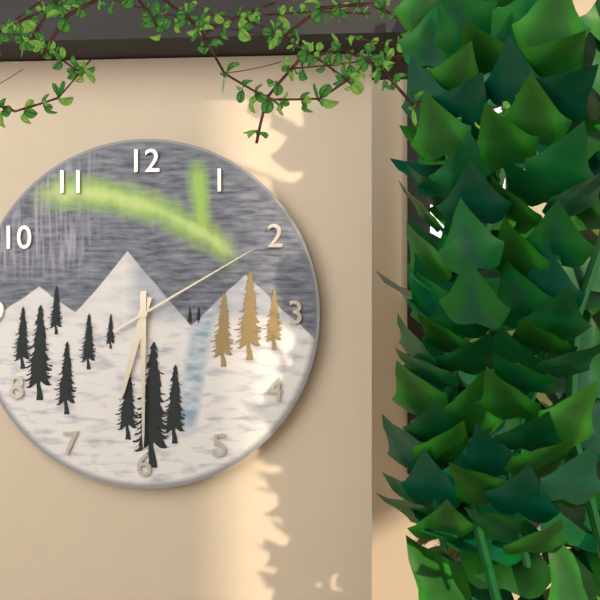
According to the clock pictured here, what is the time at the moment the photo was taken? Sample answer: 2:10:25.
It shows 6:30:10
